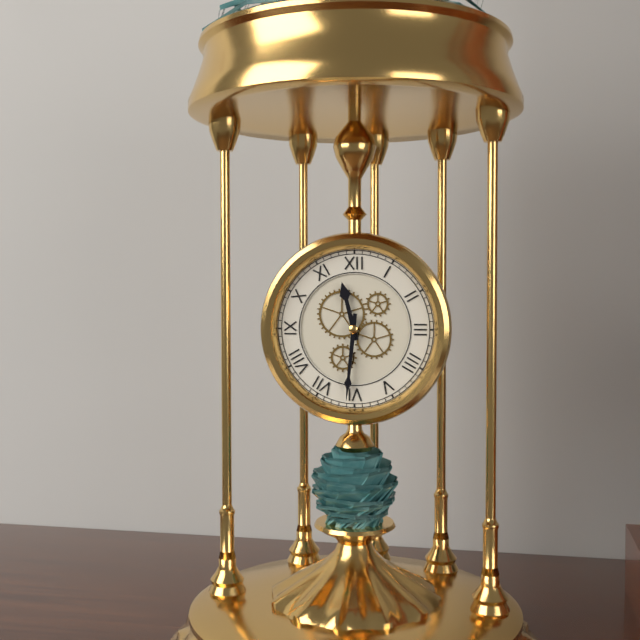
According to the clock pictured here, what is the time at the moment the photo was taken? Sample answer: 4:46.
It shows 11:31
